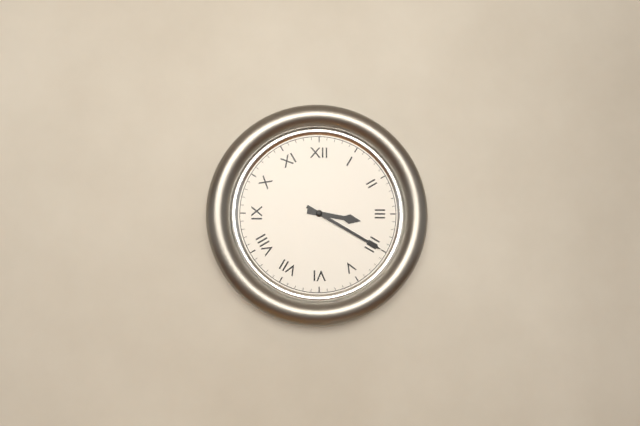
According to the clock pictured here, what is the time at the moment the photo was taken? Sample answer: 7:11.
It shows 3:20
